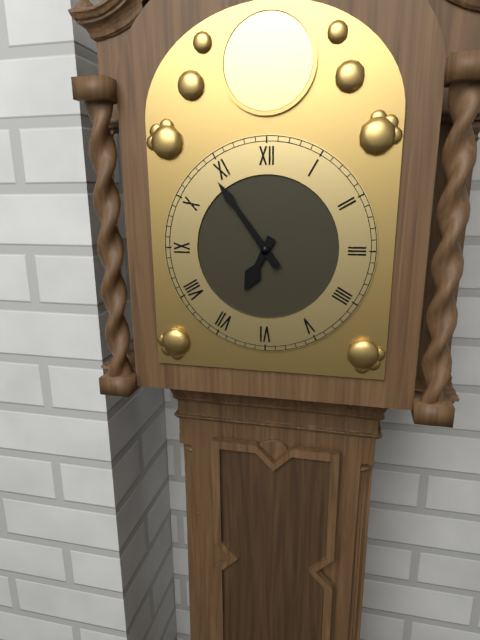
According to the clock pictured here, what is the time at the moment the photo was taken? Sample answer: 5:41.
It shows 6:54
